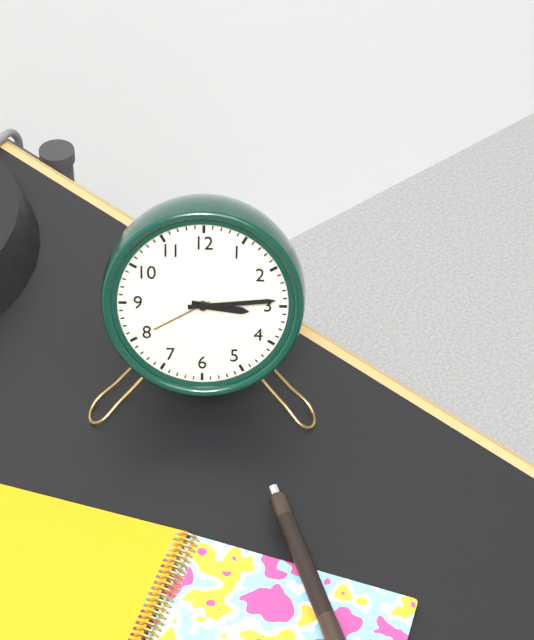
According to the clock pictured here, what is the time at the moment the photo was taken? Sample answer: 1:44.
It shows 3:14
